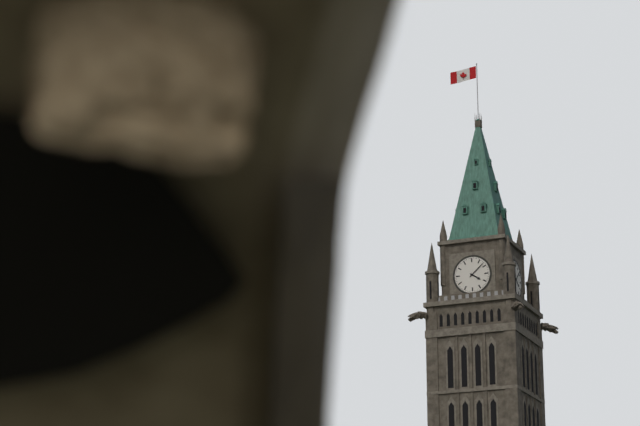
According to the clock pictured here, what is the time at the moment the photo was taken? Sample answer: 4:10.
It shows 4:08
